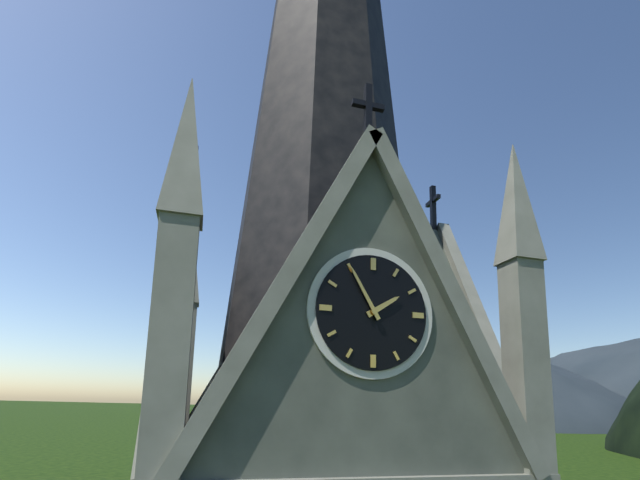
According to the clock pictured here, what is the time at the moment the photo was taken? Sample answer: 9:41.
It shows 1:55
